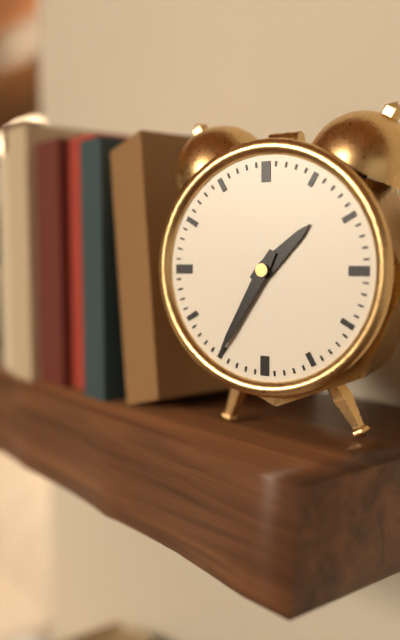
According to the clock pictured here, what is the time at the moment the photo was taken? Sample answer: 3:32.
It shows 1:35
